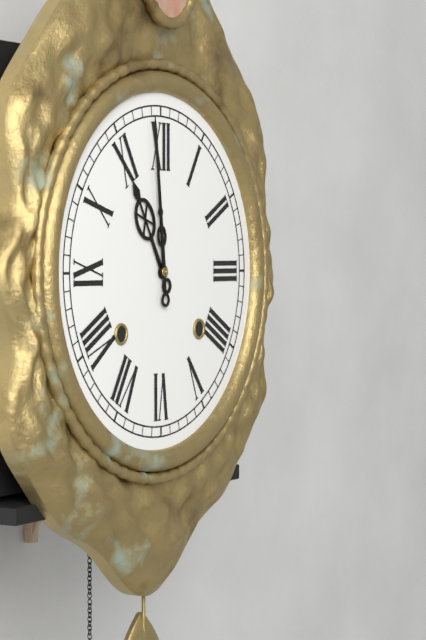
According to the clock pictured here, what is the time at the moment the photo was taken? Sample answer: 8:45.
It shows 10:59
